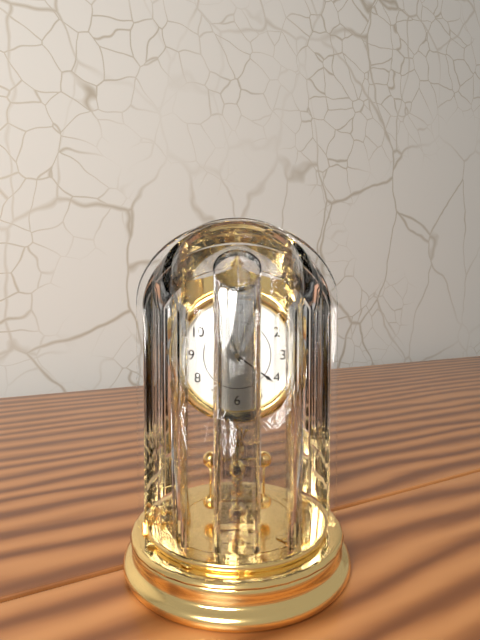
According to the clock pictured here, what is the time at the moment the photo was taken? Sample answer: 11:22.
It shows 11:21
